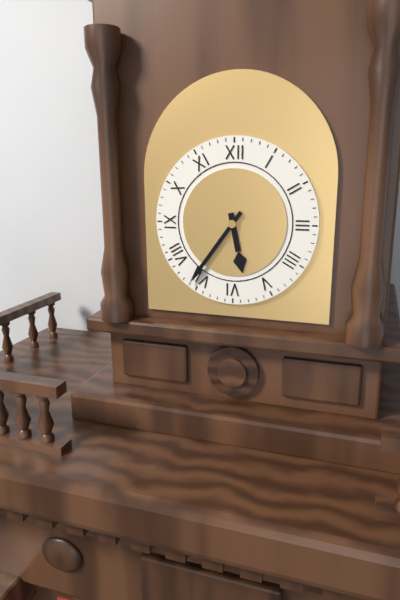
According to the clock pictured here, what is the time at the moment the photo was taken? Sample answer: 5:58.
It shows 5:36
